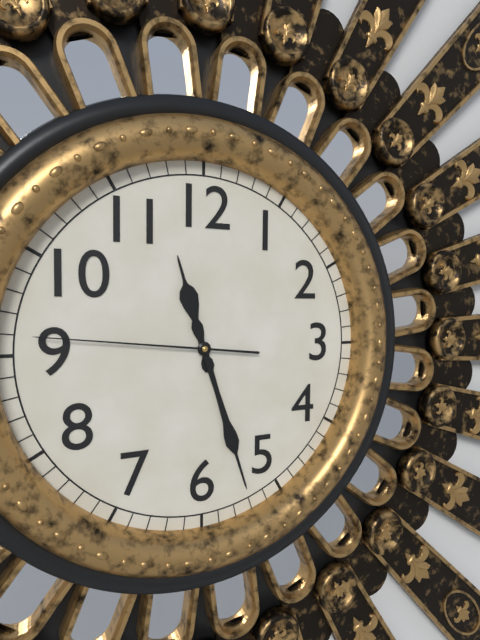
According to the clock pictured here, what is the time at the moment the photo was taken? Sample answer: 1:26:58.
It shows 11:27:46
